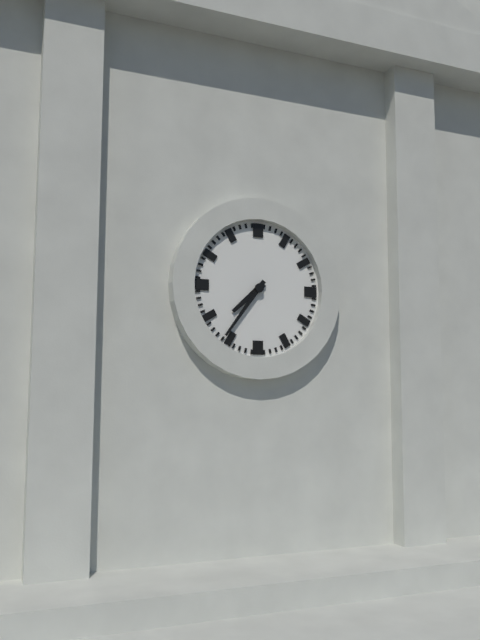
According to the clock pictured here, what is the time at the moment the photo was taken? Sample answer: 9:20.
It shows 7:36
